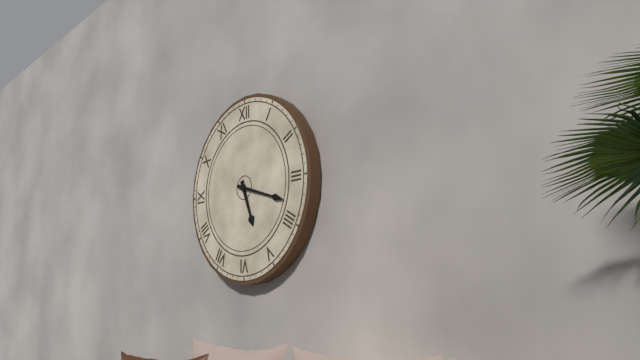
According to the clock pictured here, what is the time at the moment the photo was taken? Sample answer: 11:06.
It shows 5:18
